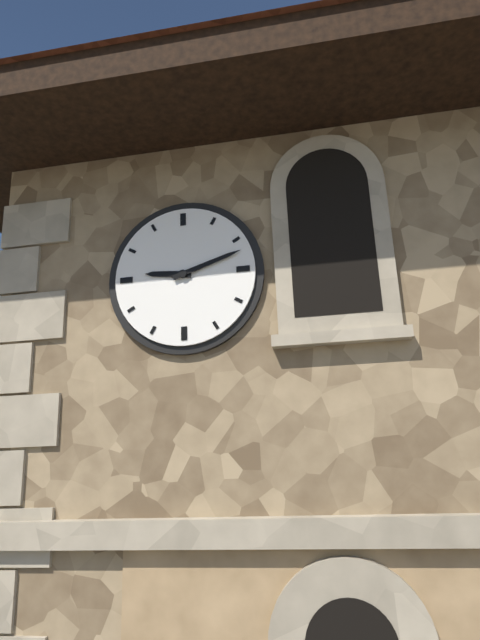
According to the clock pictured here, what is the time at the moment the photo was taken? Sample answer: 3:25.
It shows 9:12
